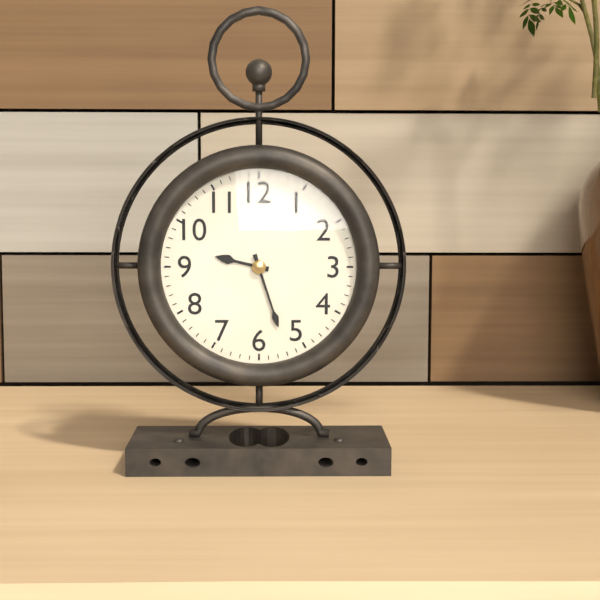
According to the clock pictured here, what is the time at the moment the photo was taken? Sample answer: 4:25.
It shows 9:27
